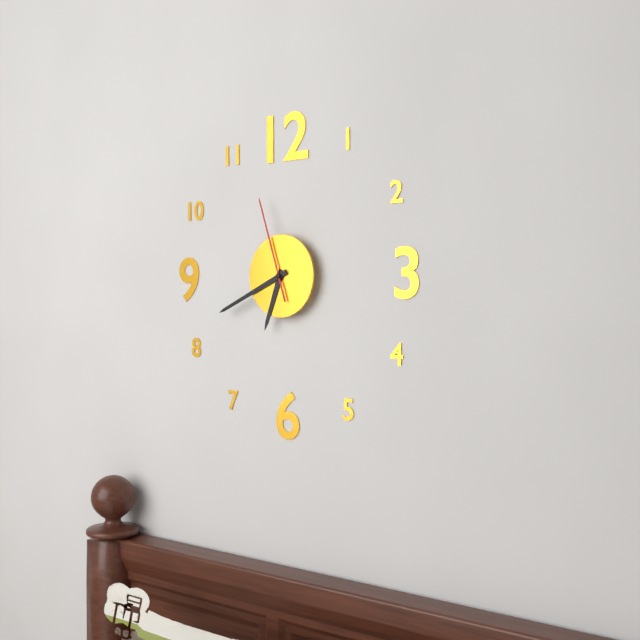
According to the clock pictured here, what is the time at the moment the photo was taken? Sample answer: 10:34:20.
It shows 6:41:57
